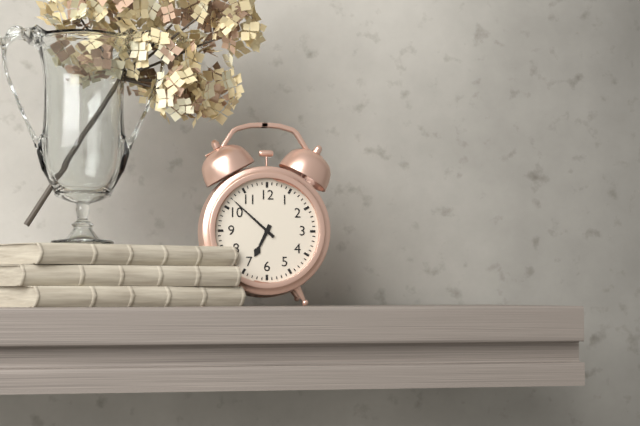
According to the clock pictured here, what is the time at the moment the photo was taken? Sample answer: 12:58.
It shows 6:52
